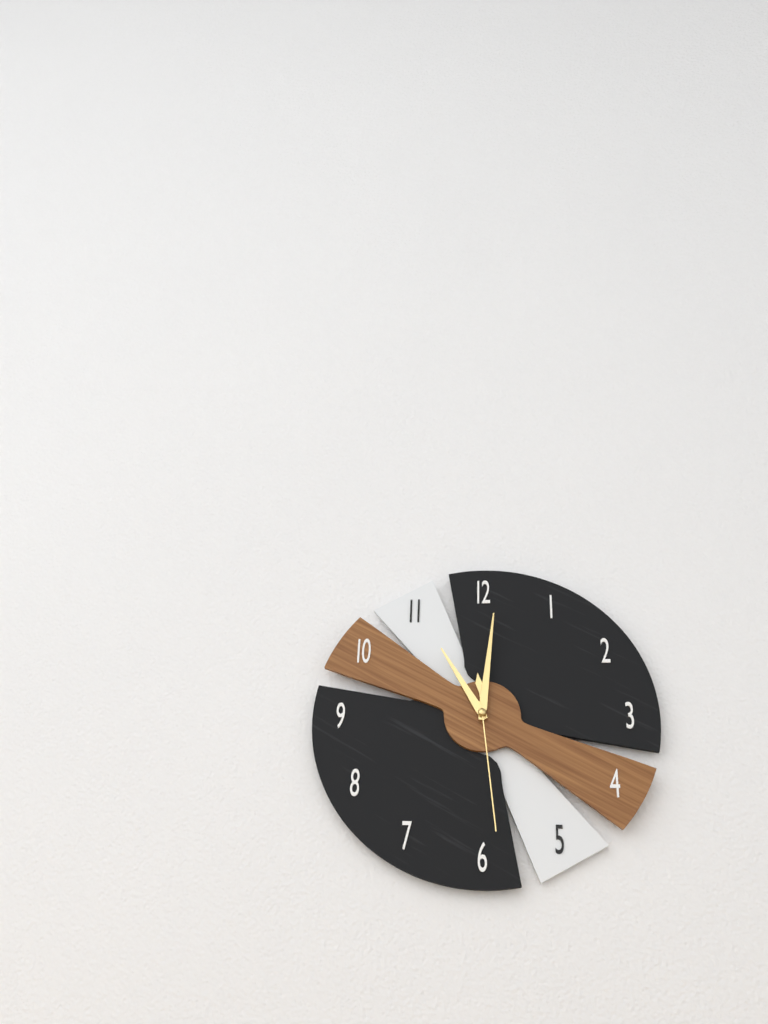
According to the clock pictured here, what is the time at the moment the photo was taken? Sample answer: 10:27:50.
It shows 11:01:29
